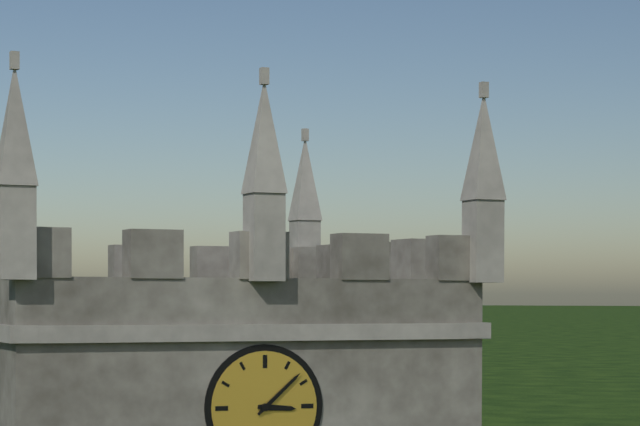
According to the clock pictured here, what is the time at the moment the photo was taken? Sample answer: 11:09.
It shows 3:08
